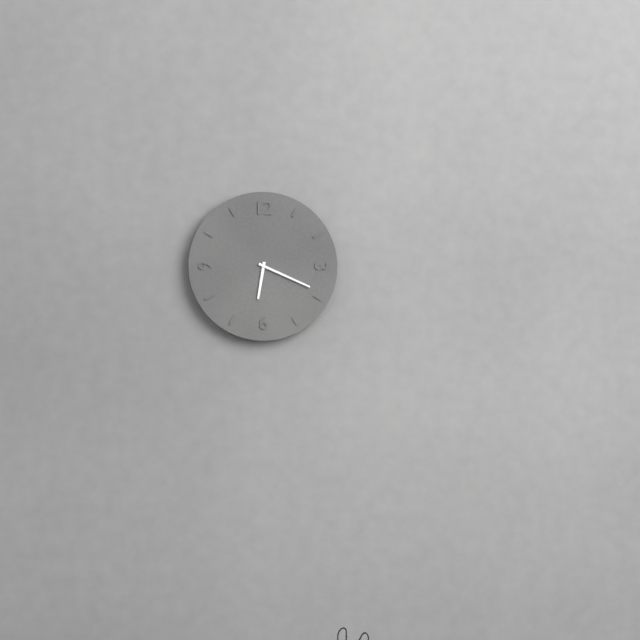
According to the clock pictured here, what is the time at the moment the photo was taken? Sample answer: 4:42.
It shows 6:19
